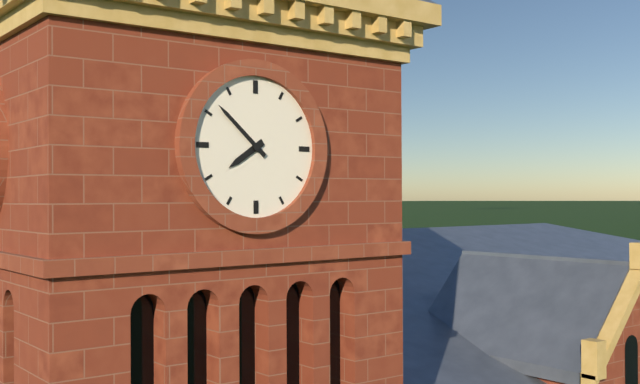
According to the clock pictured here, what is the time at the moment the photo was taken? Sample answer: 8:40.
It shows 7:52
